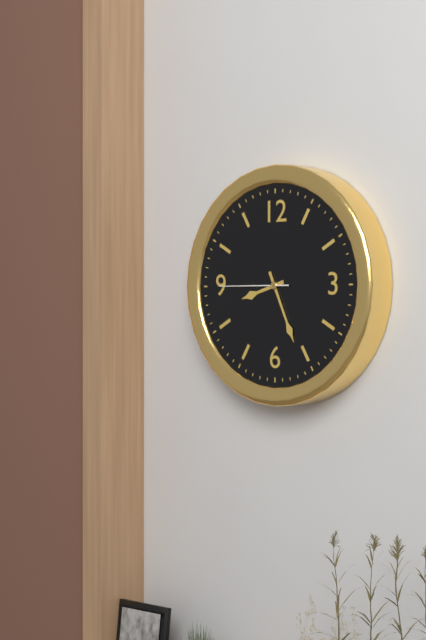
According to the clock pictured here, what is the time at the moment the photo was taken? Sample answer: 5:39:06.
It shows 8:26:45
